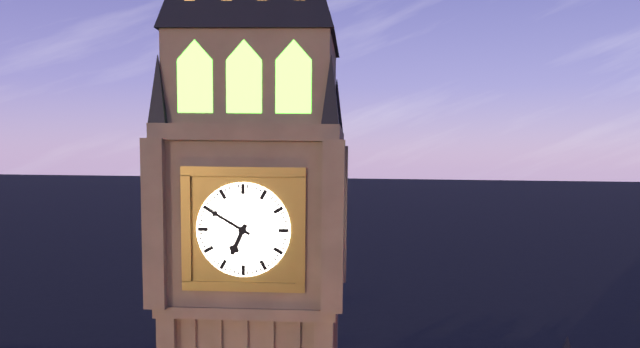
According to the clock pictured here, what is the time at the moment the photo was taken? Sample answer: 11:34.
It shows 6:50
